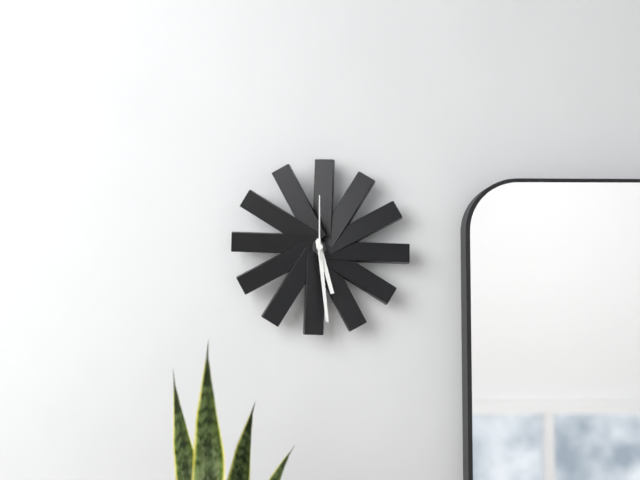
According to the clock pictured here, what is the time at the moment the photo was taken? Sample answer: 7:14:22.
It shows 5:29:00
